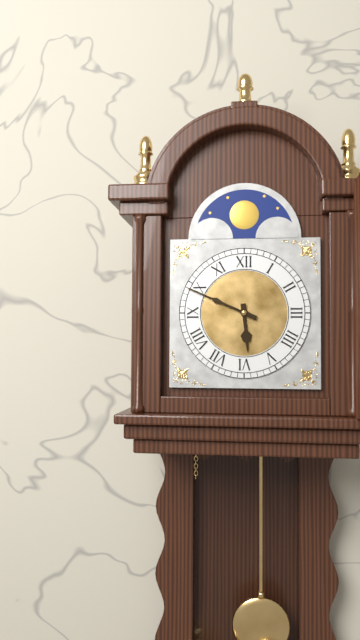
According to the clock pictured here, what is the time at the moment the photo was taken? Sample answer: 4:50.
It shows 5:49
